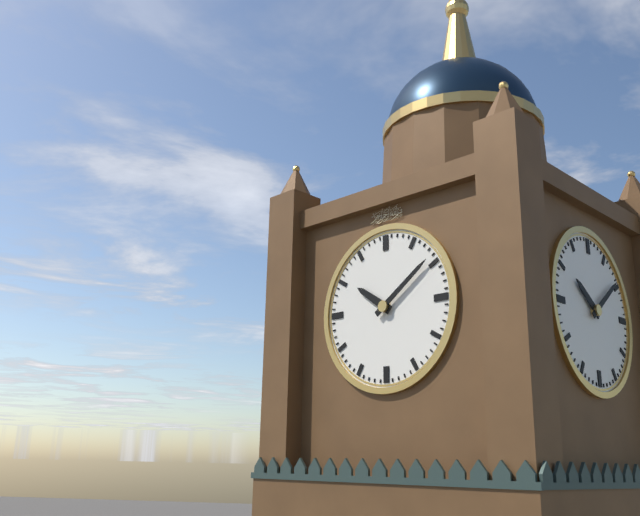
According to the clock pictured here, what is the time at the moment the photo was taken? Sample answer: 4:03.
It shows 10:09
